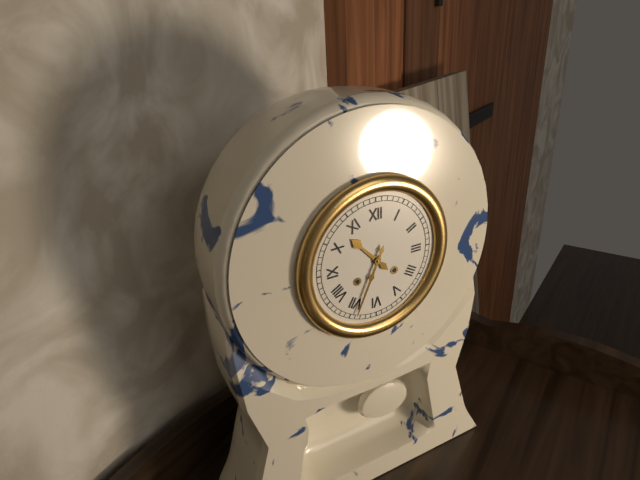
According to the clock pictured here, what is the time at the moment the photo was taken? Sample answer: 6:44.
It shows 10:34
